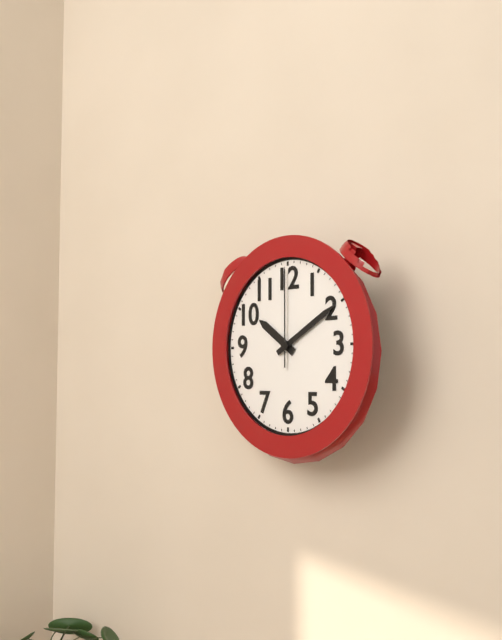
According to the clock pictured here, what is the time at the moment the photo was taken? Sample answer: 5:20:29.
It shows 10:10:00
